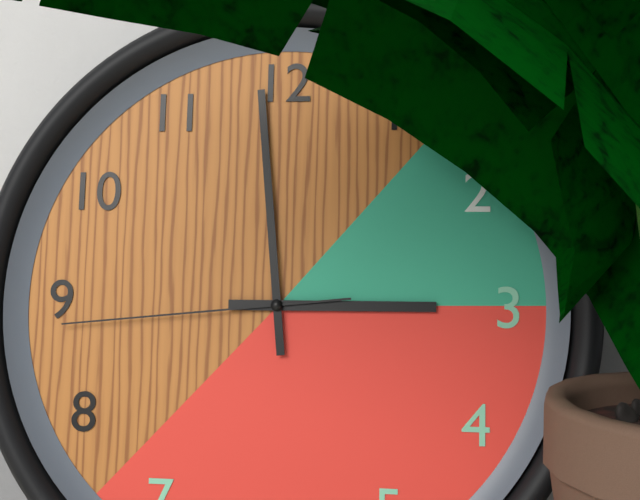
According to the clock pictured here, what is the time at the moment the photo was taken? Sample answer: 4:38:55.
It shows 2:59:44
